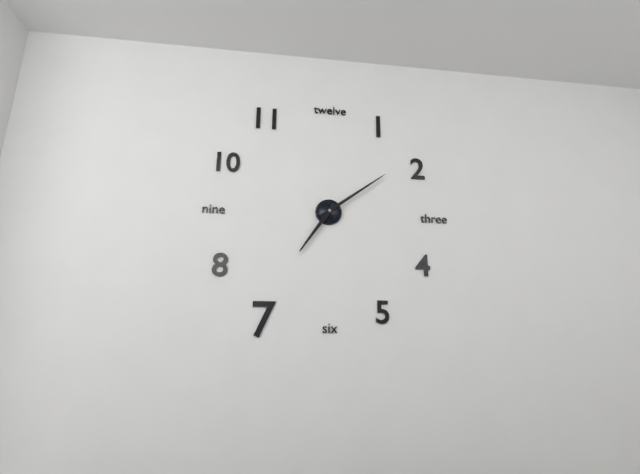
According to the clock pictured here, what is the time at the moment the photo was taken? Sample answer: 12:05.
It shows 7:09
